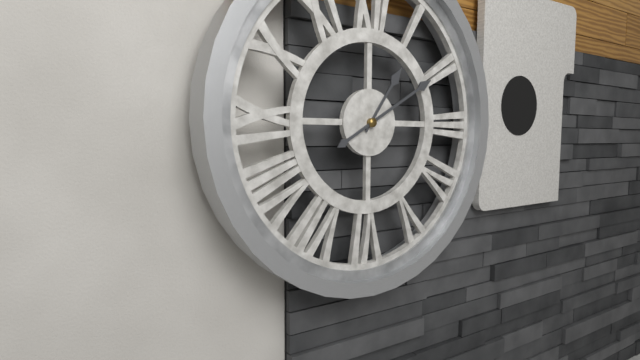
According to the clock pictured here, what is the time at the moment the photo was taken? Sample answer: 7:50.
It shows 1:10
